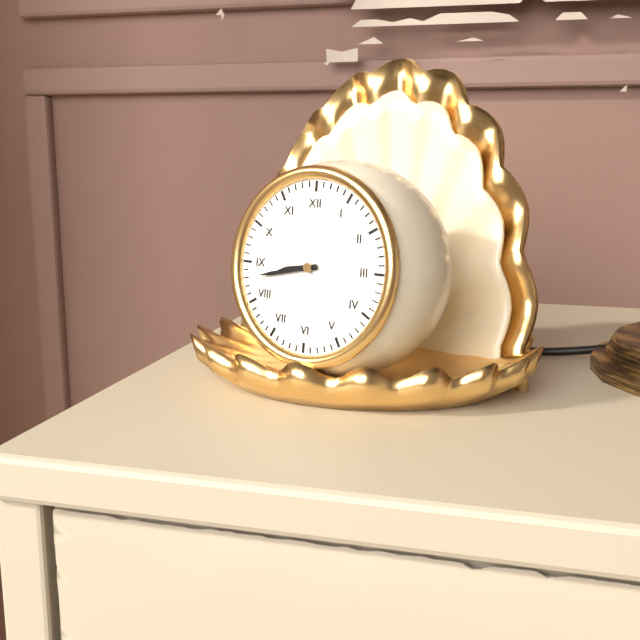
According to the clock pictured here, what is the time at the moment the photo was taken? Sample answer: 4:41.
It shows 8:43
